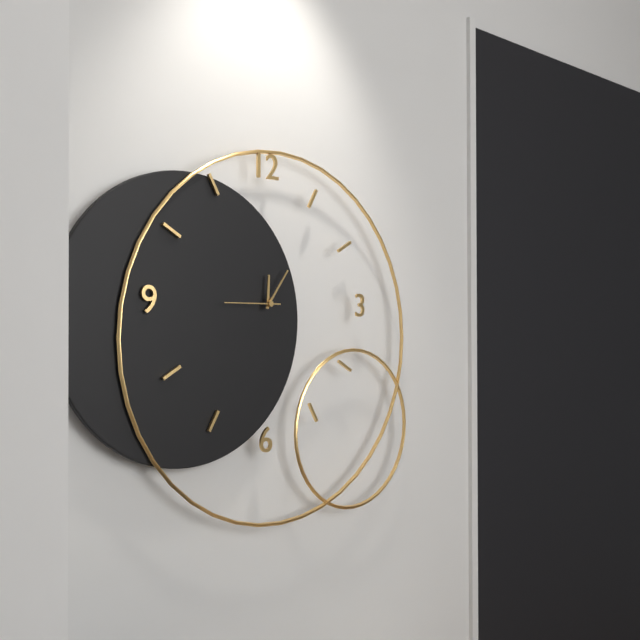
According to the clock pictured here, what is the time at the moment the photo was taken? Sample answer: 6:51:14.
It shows 12:06:45
